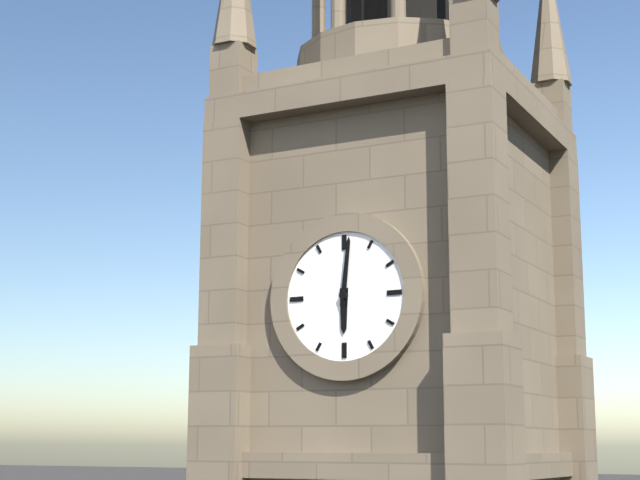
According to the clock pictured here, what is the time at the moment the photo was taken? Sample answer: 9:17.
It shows 6:01
